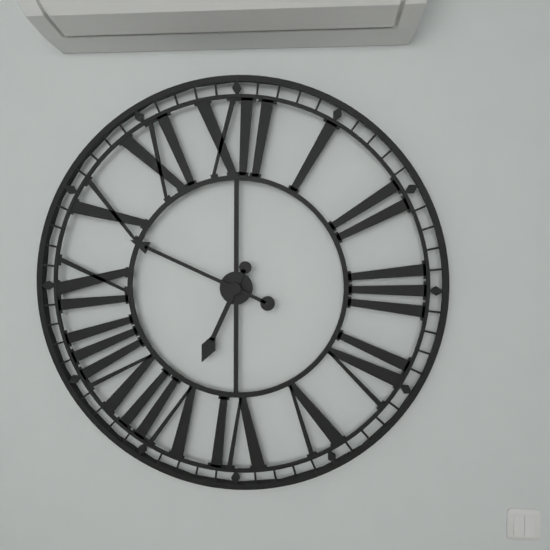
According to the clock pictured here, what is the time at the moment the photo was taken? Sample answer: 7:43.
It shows 6:49
